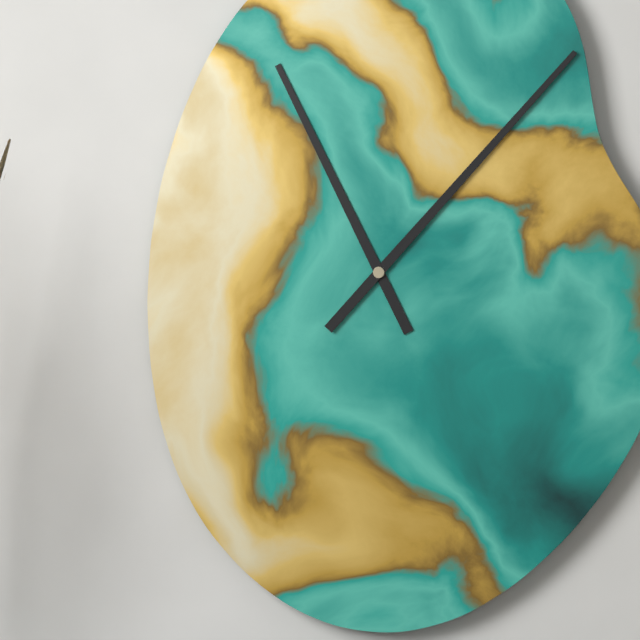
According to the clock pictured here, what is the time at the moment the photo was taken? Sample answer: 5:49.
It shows 11:07
